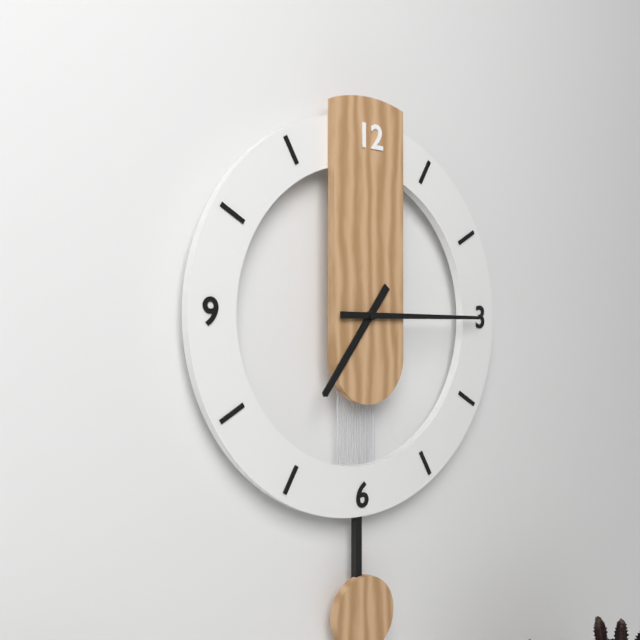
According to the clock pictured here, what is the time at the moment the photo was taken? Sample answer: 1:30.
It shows 7:15
